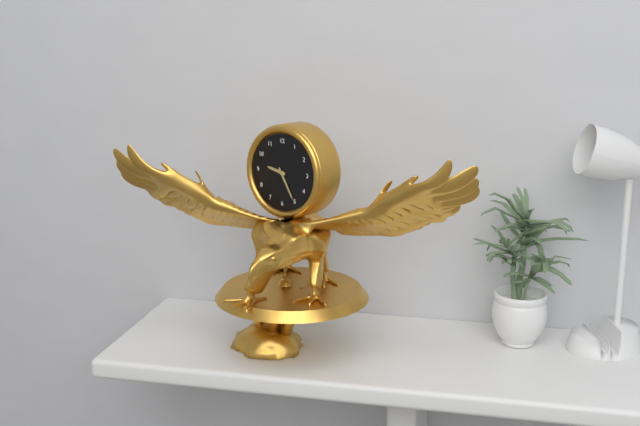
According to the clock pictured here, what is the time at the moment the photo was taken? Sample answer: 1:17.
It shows 9:25
